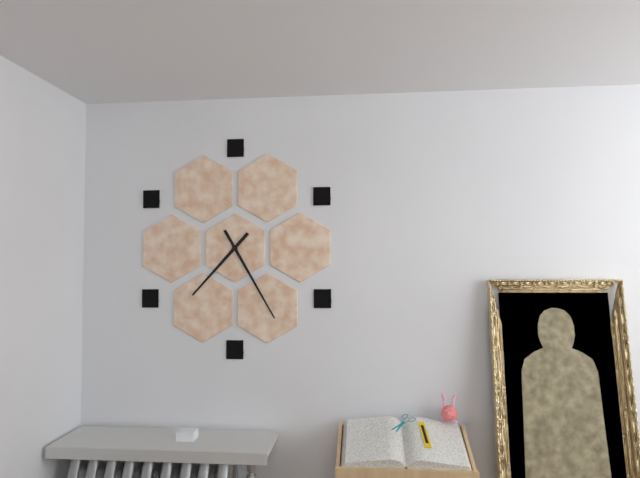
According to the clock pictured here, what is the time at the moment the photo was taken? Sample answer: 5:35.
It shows 7:25
